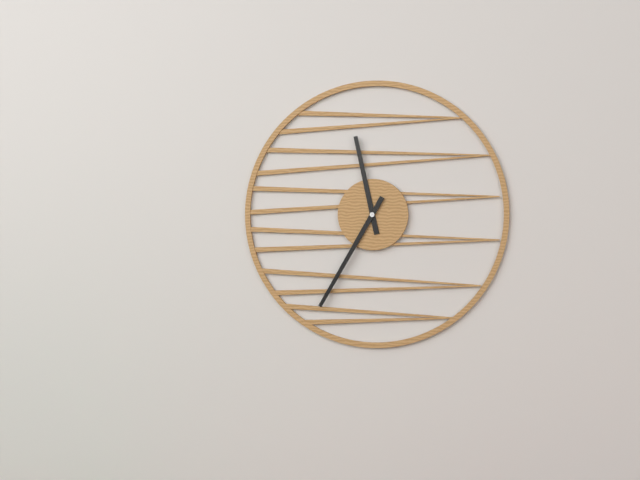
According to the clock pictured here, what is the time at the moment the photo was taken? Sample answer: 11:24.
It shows 11:35
